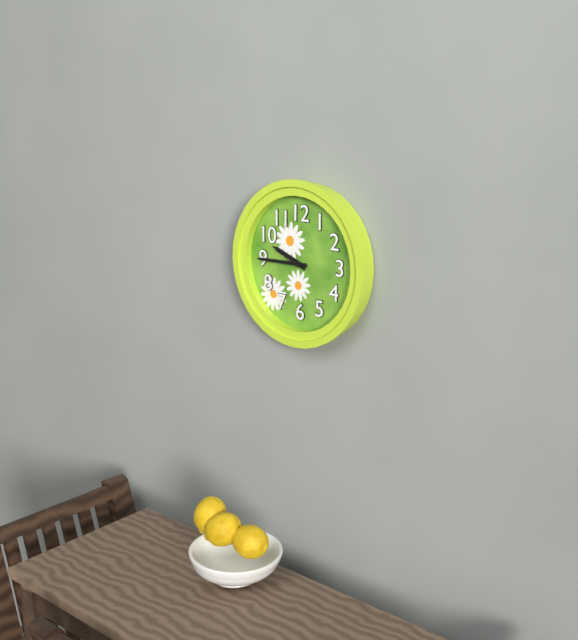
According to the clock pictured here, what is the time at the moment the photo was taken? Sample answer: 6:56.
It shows 9:45
